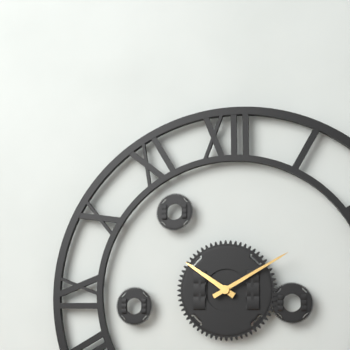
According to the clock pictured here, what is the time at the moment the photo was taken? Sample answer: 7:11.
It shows 10:10
